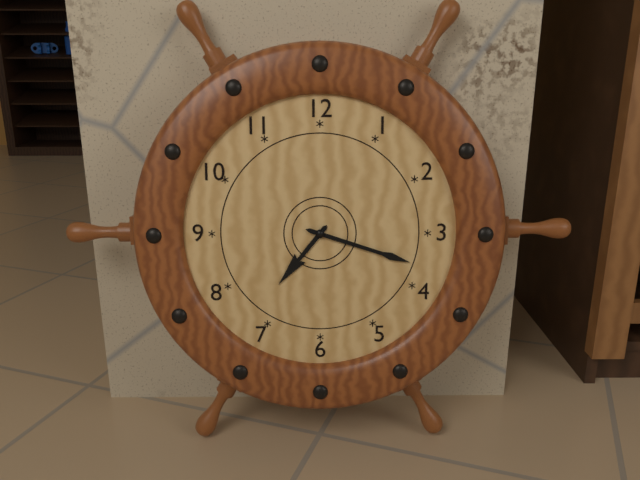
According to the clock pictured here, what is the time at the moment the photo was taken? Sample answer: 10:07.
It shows 7:18
